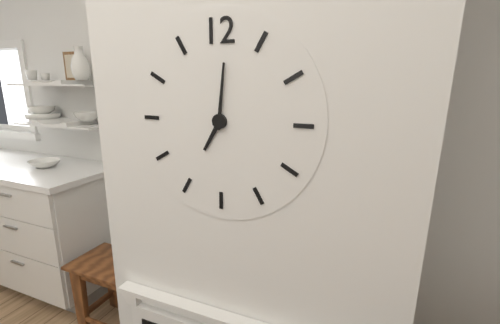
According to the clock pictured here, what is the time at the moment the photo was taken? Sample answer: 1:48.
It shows 7:01
